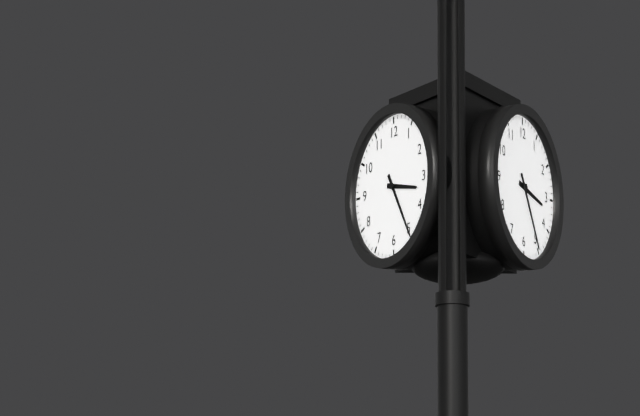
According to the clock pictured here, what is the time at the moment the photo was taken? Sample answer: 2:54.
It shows 3:25
